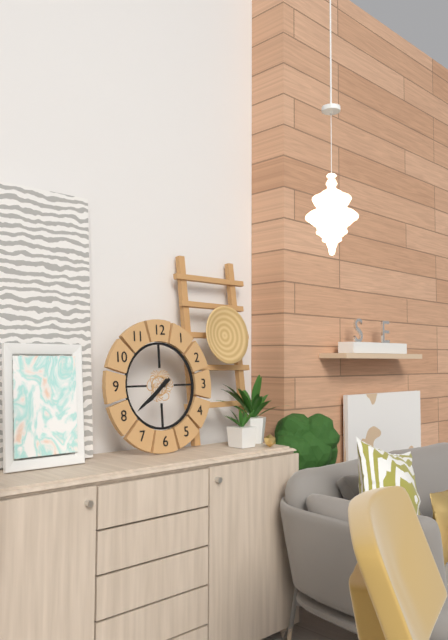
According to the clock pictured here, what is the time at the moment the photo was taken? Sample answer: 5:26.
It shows 7:39
